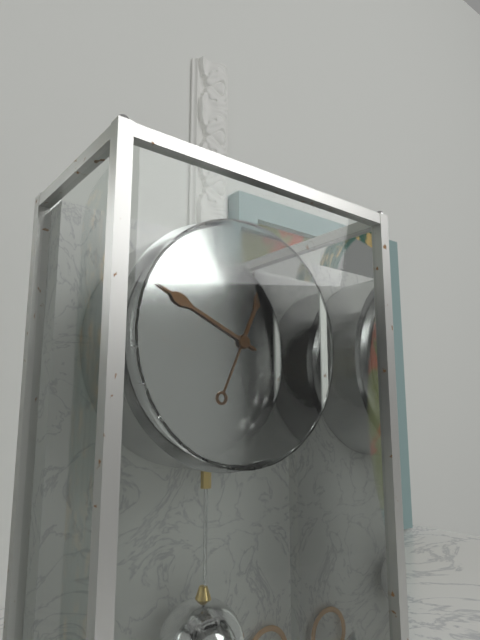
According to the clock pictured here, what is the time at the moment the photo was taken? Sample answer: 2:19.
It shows 12:49
